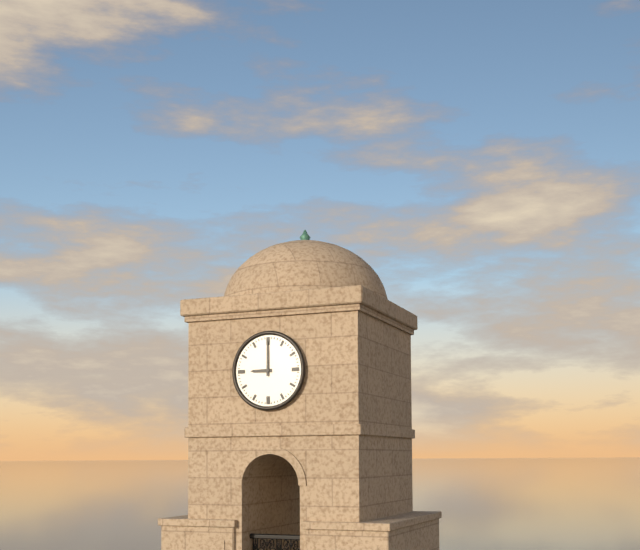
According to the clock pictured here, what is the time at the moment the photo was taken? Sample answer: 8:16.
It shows 9:00
